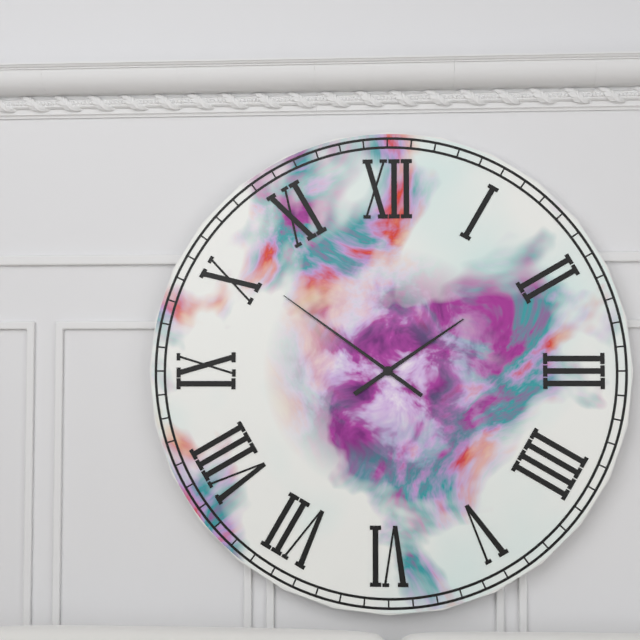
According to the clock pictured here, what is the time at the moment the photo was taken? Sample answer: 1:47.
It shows 1:51
